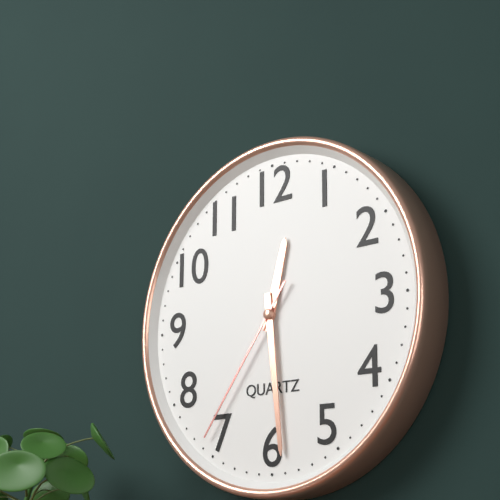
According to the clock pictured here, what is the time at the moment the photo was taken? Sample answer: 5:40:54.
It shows 12:29:36
